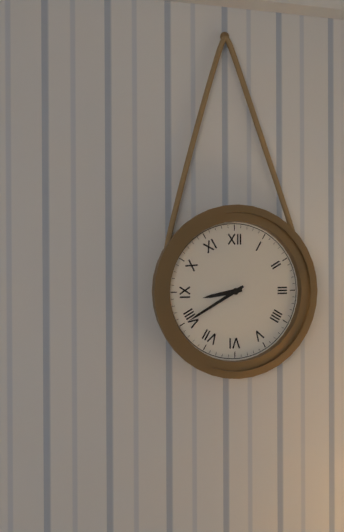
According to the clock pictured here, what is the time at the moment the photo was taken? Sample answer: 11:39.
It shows 8:40
